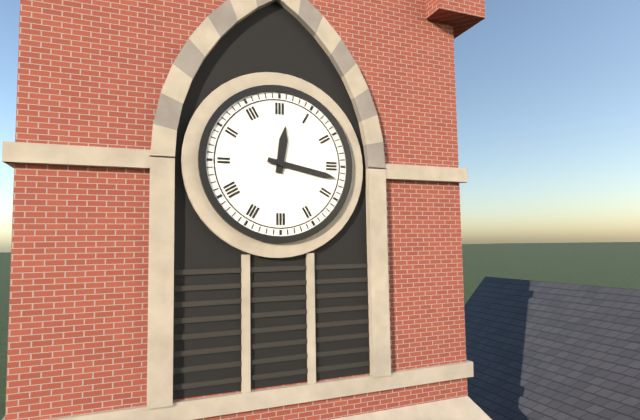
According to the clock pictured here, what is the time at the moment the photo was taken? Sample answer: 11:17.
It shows 12:17
